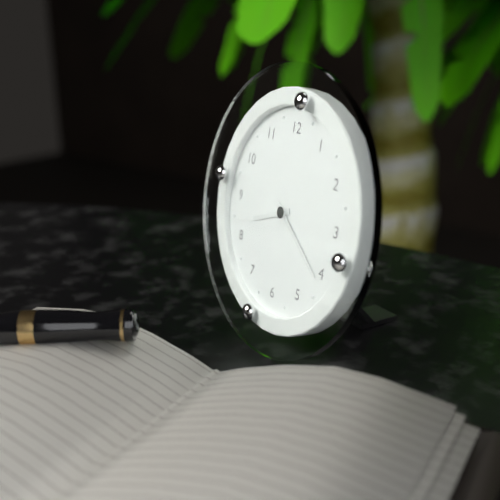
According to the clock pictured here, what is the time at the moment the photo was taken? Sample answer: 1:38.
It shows 8:21
